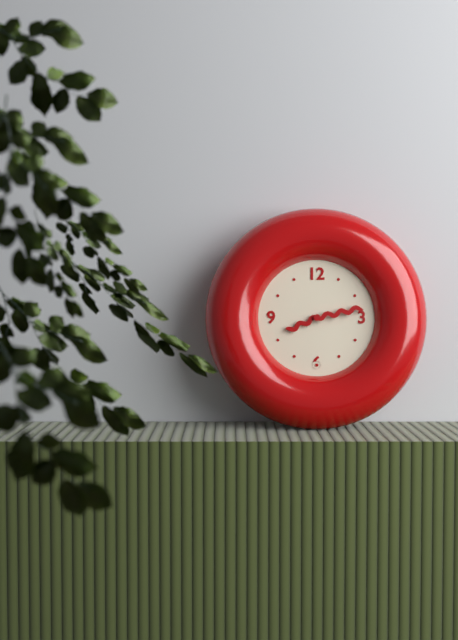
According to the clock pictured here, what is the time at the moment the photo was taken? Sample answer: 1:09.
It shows 8:13
